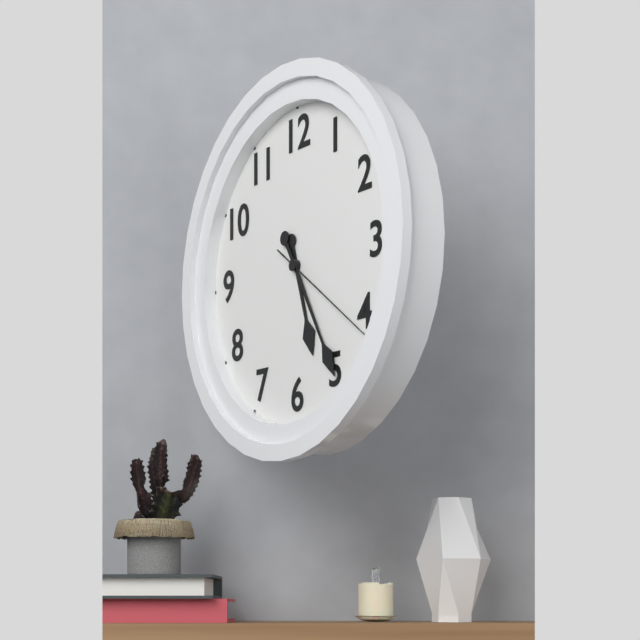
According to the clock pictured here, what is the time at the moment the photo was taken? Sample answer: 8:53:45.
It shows 5:25:21
